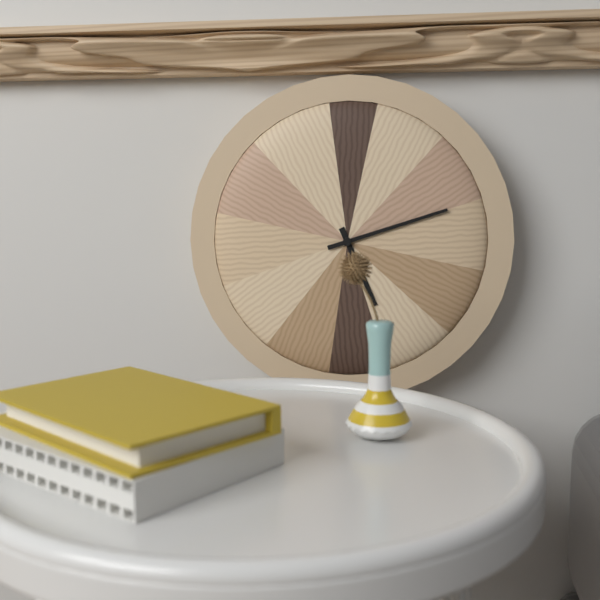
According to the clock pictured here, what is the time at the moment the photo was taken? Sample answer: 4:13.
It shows 5:12
